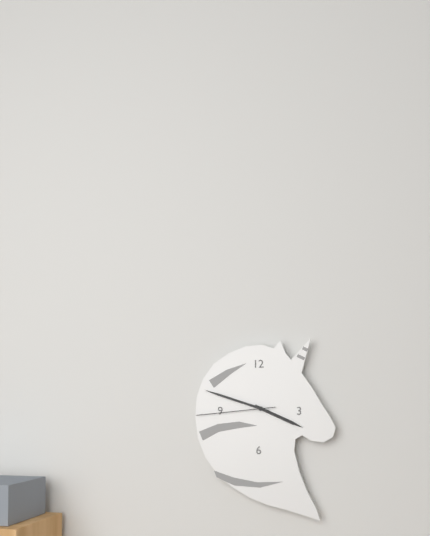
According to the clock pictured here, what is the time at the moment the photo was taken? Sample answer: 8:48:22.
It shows 3:48:44
